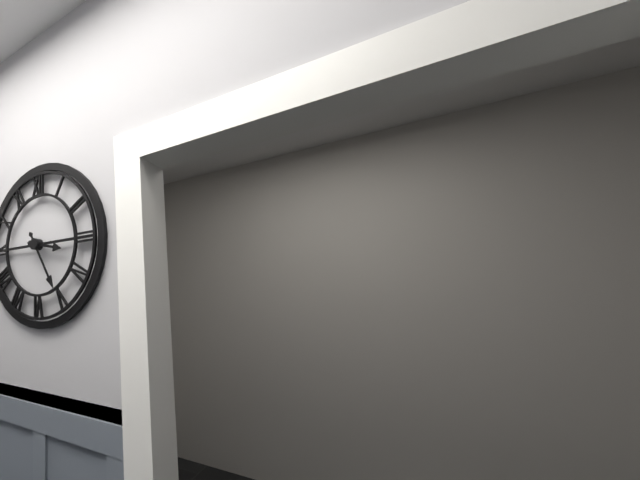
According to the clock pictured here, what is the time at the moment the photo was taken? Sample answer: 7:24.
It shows 3:25
